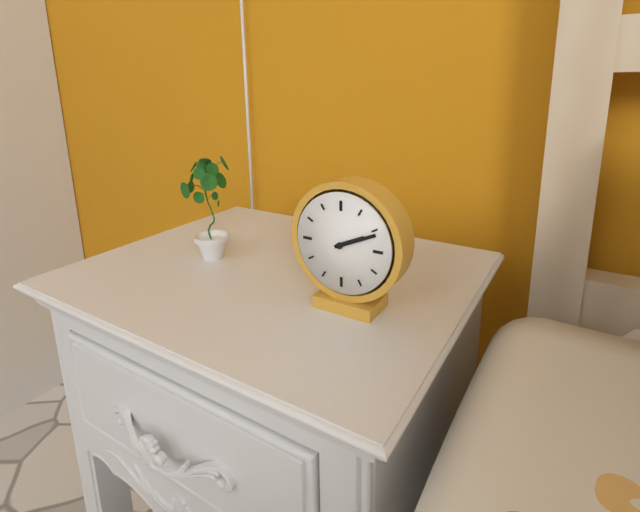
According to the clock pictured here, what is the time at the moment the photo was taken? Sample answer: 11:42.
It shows 2:11
